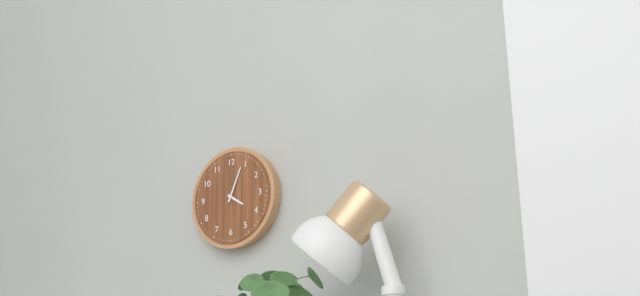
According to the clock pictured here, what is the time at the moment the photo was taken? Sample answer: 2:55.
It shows 4:04
